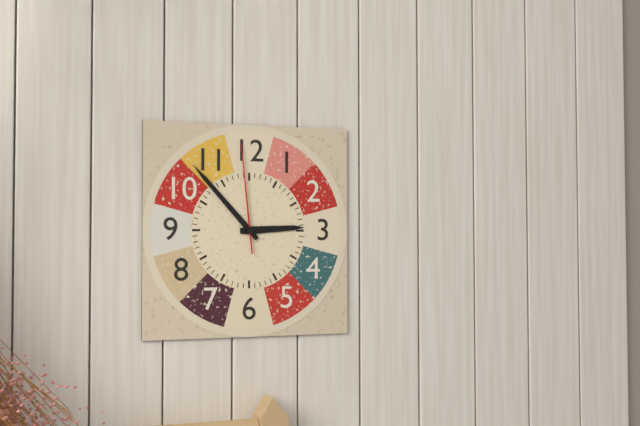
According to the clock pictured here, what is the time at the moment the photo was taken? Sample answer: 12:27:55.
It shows 2:53:59
